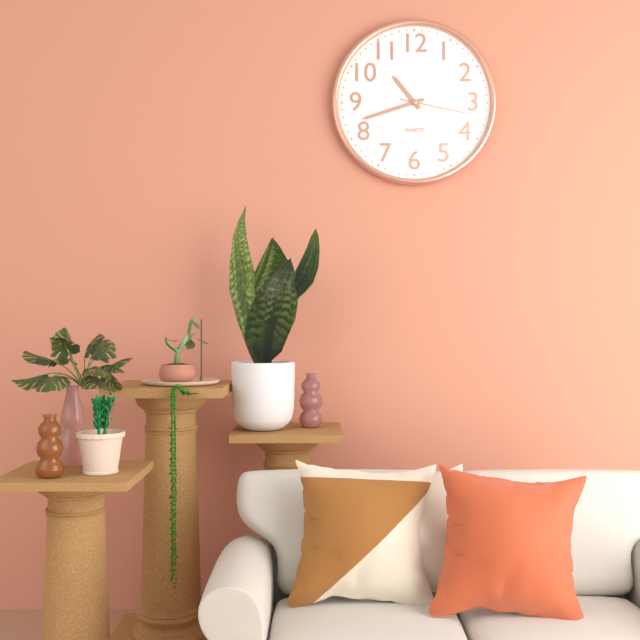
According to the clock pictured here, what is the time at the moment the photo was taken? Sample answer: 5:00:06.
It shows 10:42:17
